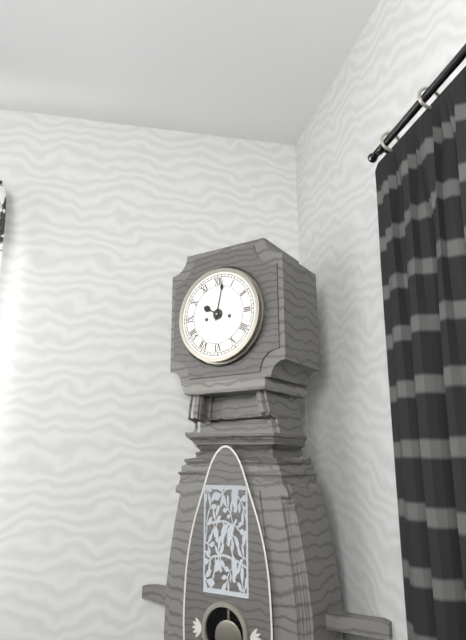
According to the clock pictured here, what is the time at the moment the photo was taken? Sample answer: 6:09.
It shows 10:02
